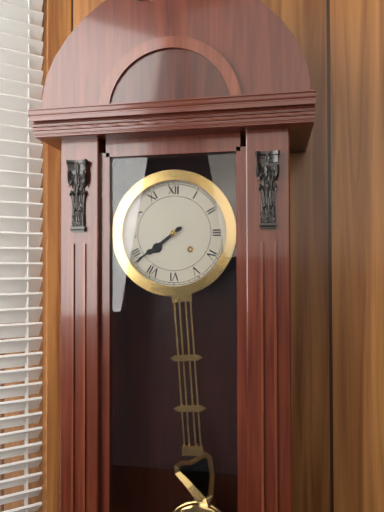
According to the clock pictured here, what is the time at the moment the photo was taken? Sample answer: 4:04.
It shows 7:39
